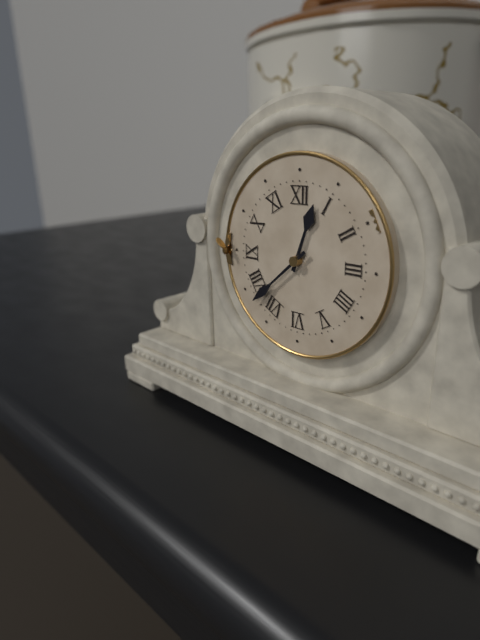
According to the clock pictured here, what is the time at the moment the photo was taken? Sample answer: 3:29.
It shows 12:38
